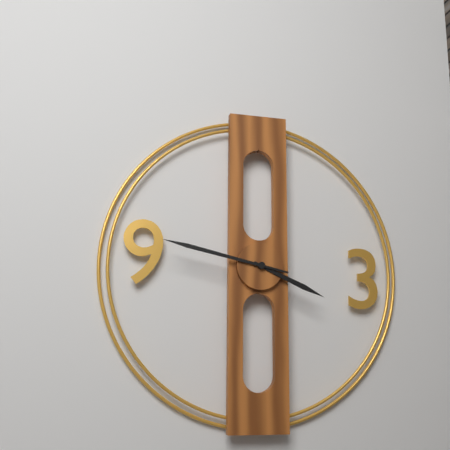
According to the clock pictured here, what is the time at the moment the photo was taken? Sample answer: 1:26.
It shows 3:47
